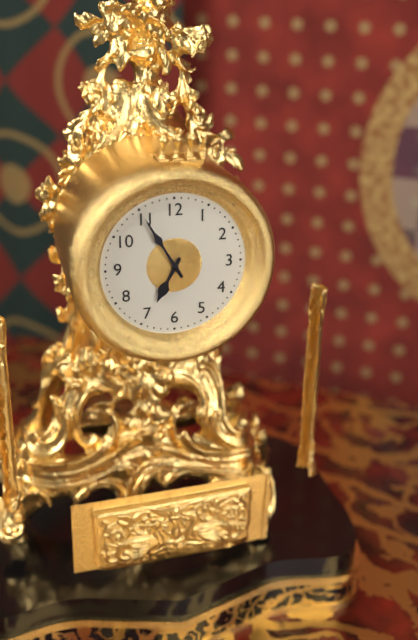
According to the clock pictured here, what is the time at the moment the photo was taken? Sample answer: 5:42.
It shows 6:55
